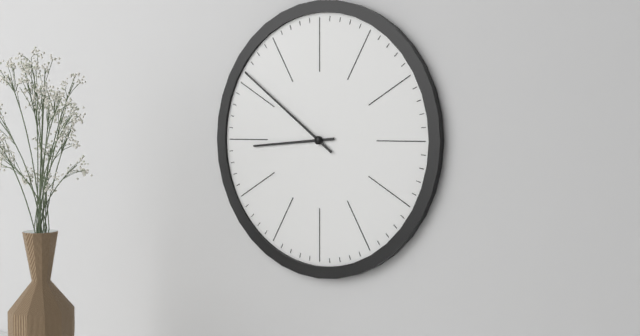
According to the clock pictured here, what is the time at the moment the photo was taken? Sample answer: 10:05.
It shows 8:51
